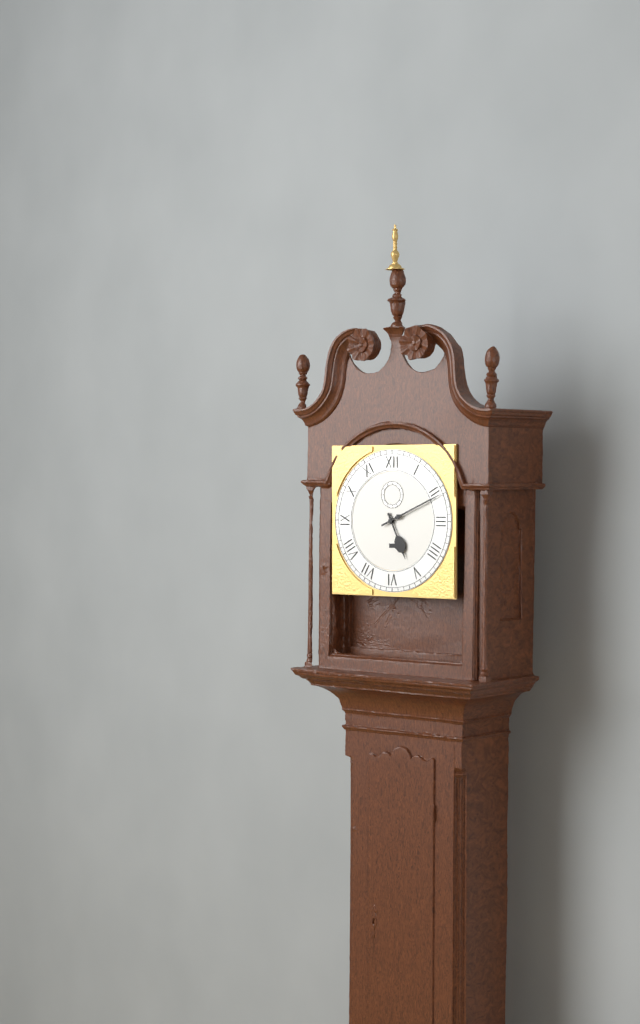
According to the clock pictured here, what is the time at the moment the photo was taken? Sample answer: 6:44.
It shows 5:11
